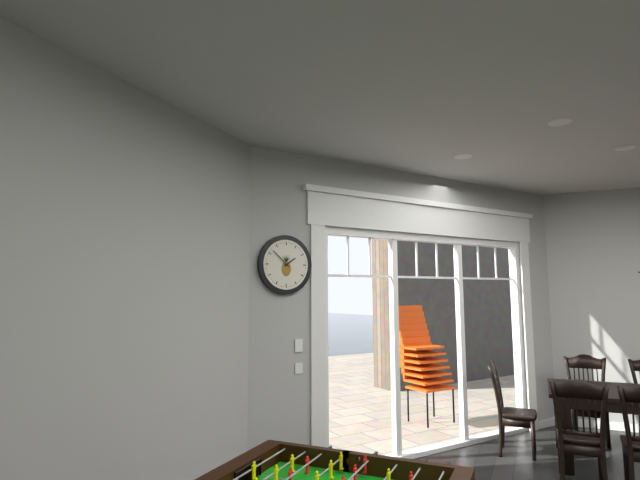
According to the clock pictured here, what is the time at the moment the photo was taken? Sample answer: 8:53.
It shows 1:52
